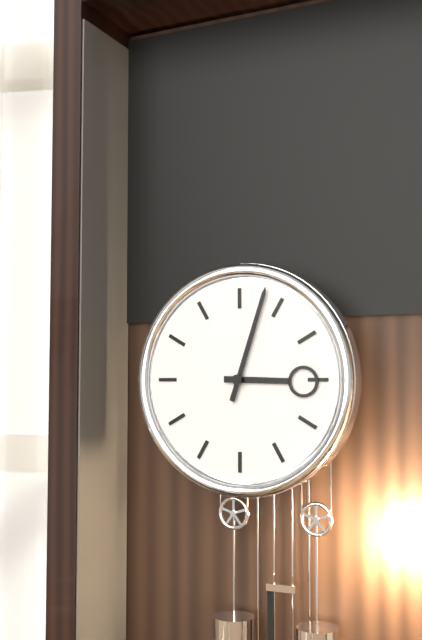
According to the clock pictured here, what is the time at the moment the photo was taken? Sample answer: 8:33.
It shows 3:03
